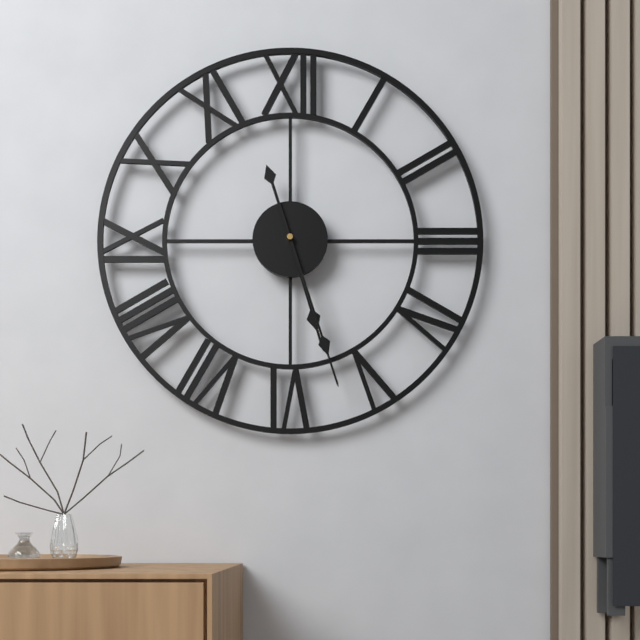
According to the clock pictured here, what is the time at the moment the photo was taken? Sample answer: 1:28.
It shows 5:27
